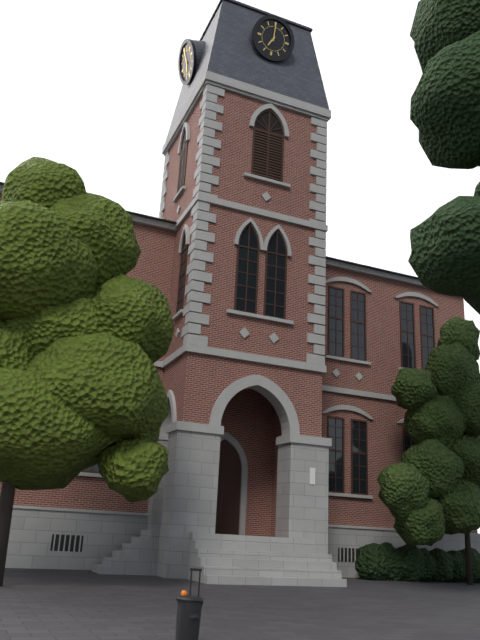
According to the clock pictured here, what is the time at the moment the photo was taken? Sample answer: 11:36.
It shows 7:00
